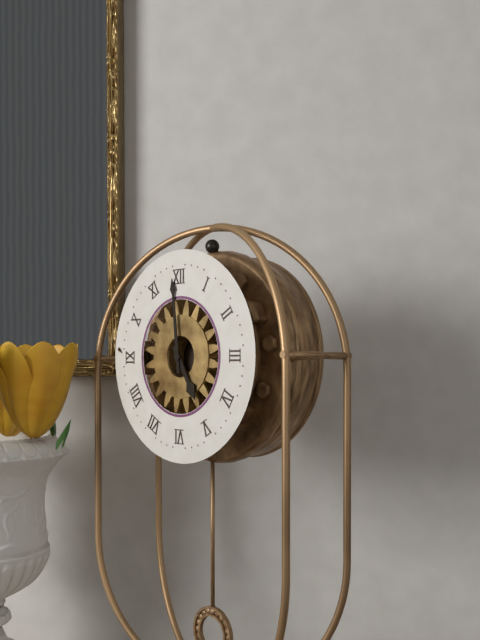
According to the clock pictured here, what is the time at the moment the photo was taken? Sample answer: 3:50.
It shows 4:59
